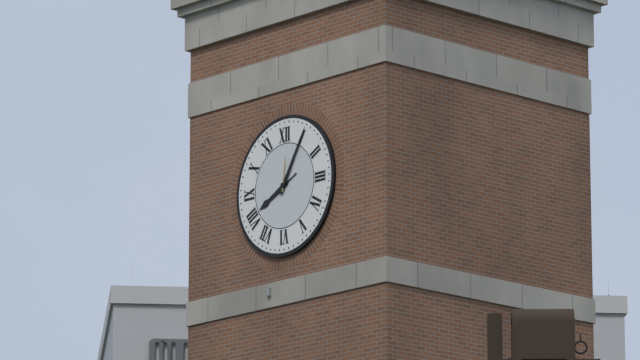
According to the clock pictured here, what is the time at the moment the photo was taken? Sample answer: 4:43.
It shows 8:05
